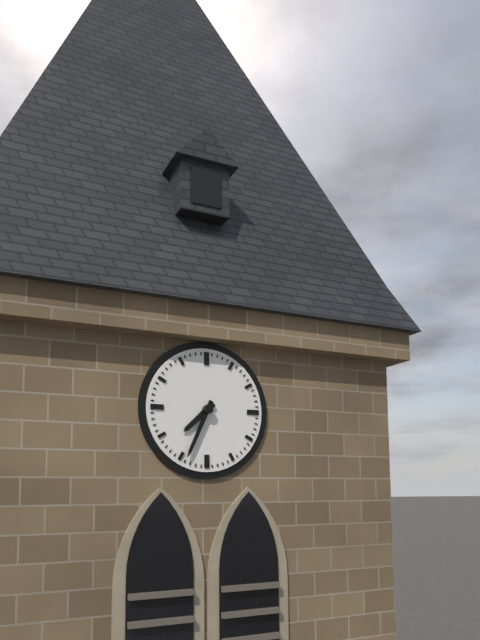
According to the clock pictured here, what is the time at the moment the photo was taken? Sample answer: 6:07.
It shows 7:34
